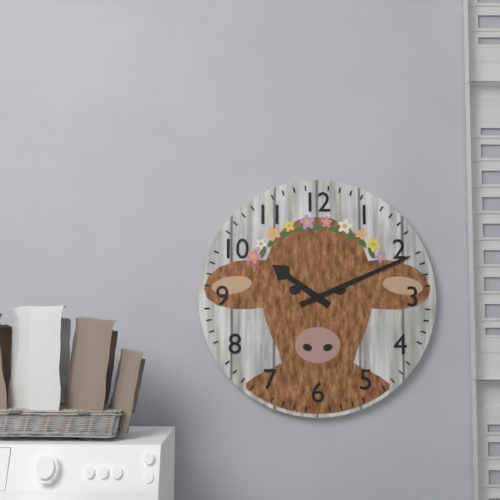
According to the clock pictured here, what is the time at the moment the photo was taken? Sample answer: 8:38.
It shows 10:11
